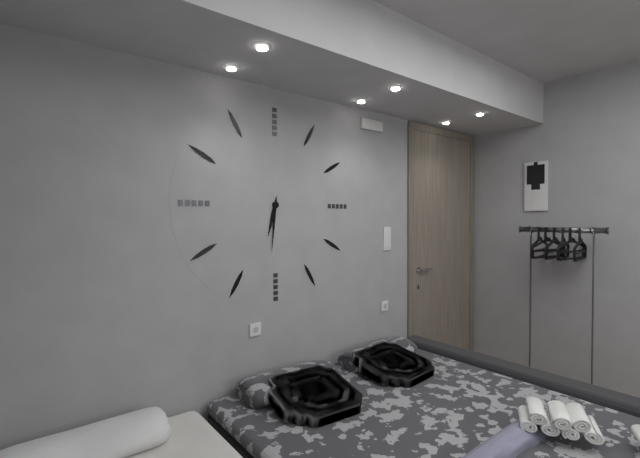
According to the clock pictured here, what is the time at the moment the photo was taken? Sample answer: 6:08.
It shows 6:31
